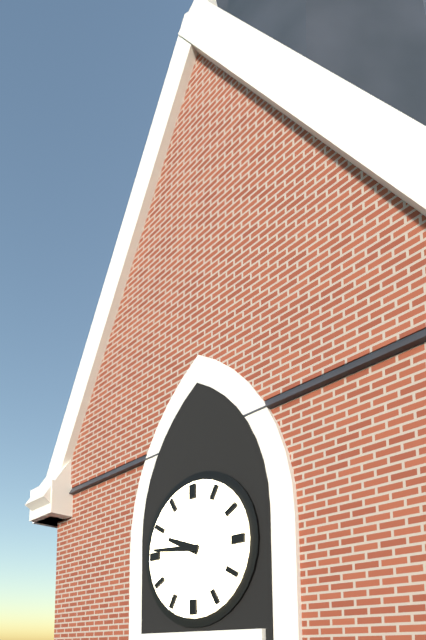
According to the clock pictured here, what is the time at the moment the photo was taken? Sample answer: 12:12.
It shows 9:46
